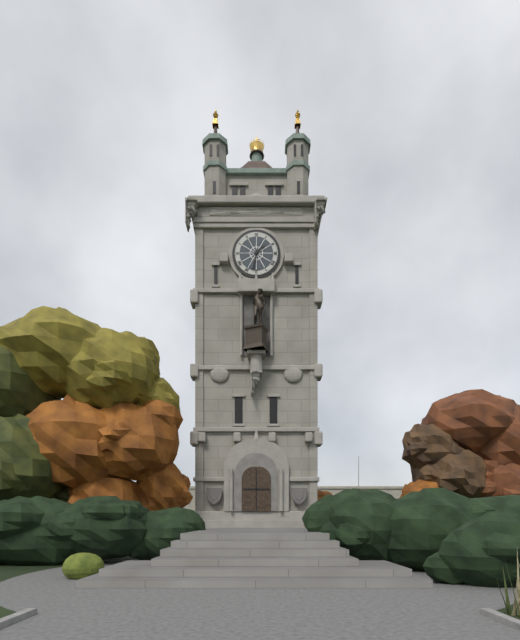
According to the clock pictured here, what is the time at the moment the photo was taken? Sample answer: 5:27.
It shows 1:32
